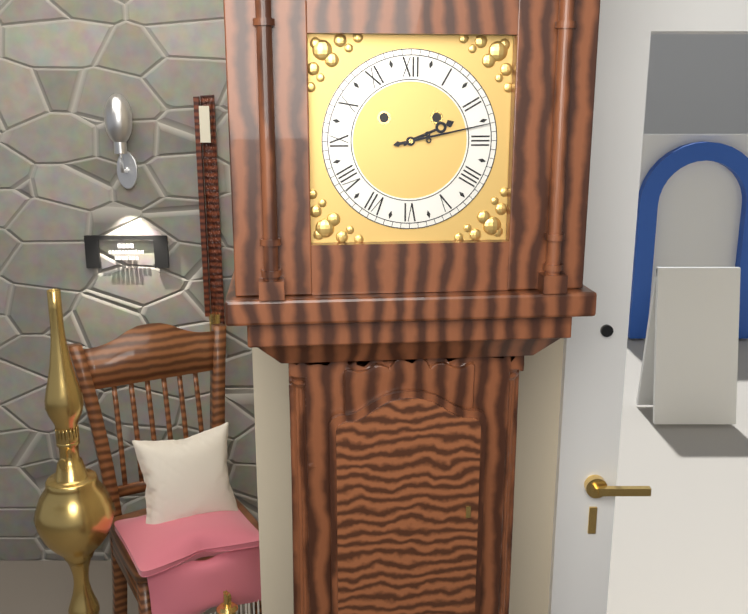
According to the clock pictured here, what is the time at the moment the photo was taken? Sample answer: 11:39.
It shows 2:13
